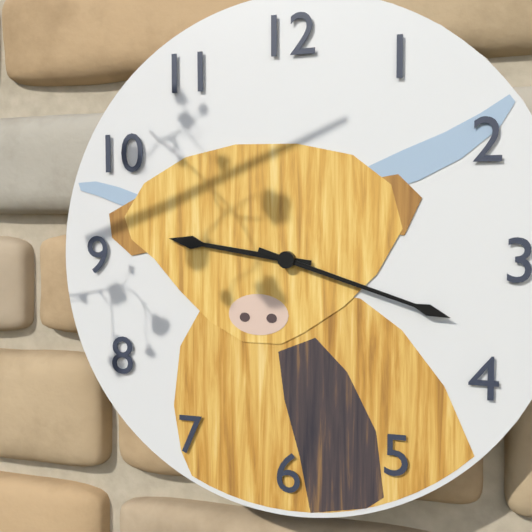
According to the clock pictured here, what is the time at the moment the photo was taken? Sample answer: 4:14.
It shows 9:18
